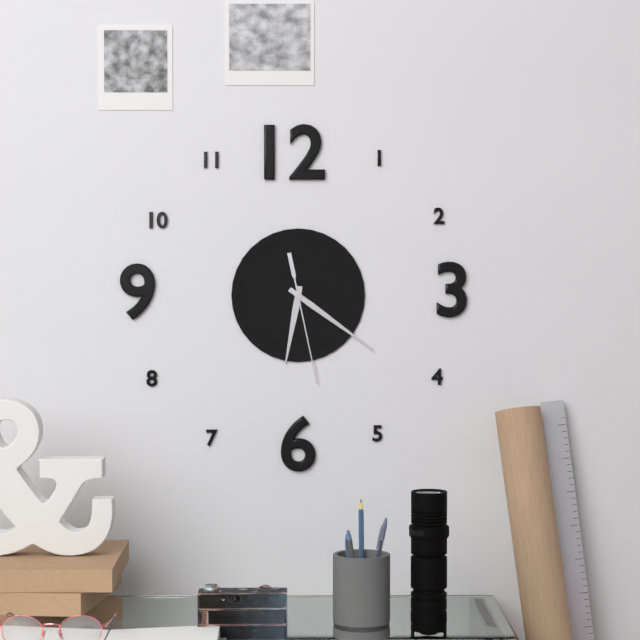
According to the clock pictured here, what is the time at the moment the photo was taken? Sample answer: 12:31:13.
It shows 6:21:28
